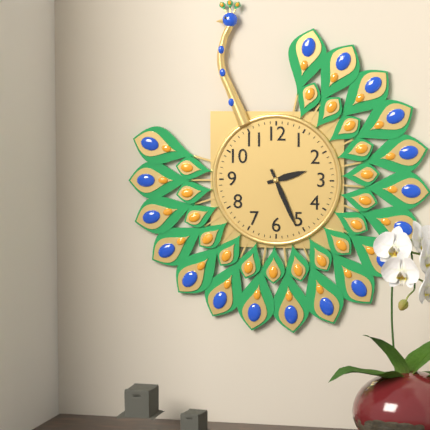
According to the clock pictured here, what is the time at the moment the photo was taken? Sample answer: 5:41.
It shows 2:26
